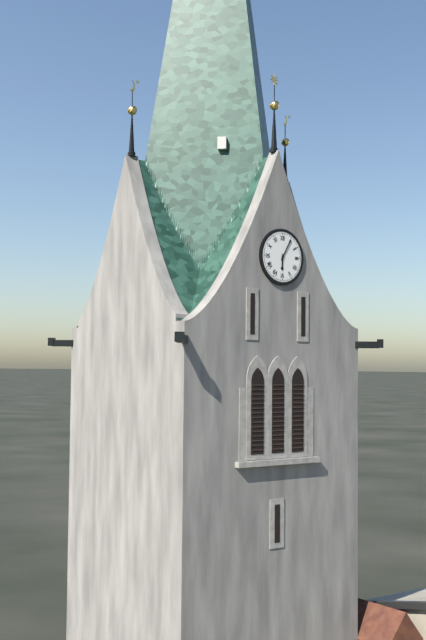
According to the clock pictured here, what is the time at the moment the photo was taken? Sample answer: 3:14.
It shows 6:05
